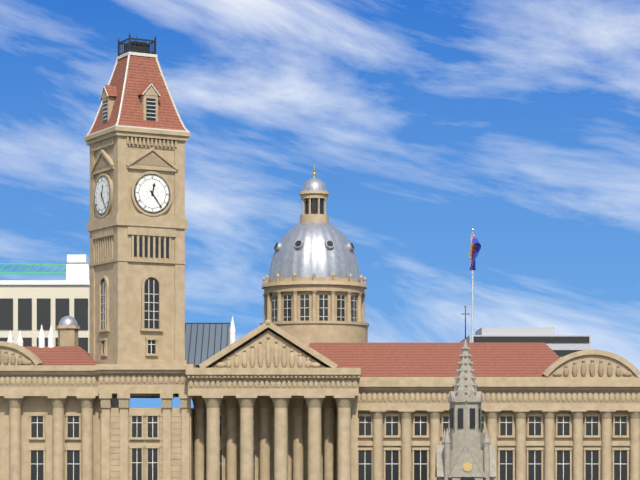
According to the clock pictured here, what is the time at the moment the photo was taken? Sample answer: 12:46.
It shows 12:24
